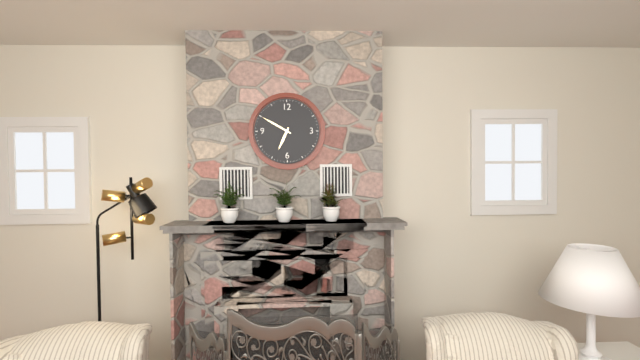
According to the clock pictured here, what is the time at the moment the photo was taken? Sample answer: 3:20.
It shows 6:50
